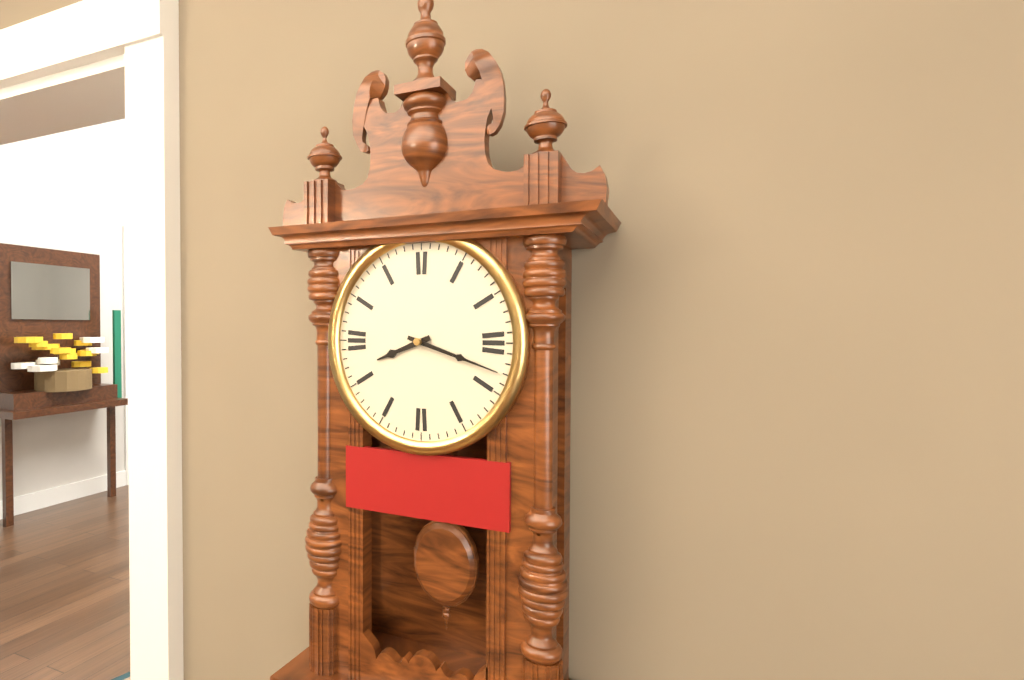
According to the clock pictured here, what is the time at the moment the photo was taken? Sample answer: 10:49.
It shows 8:18
